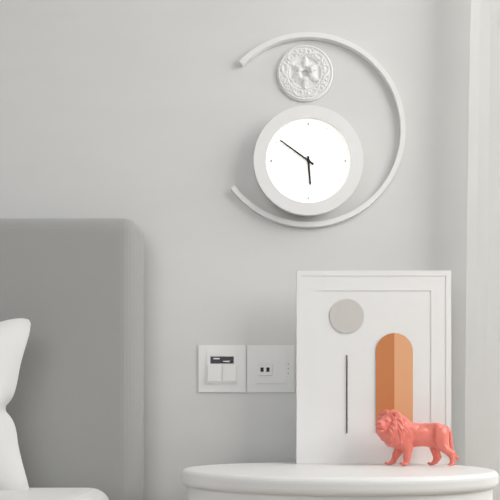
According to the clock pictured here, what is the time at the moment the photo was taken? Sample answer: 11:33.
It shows 5:51
